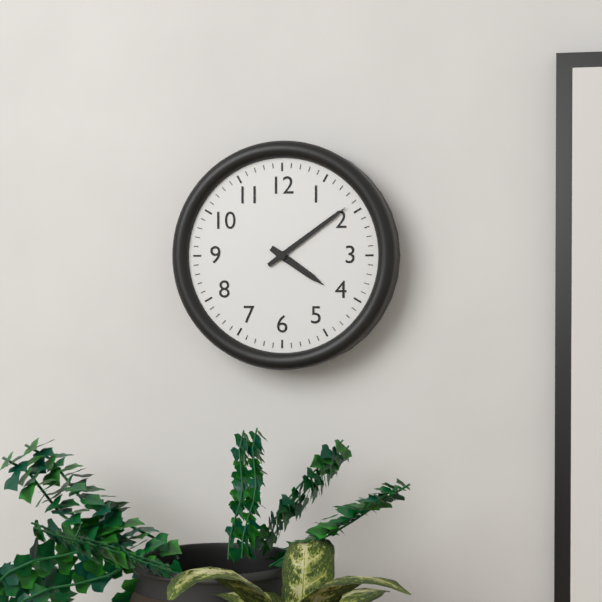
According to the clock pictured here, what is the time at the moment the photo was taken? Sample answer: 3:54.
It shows 4:09
